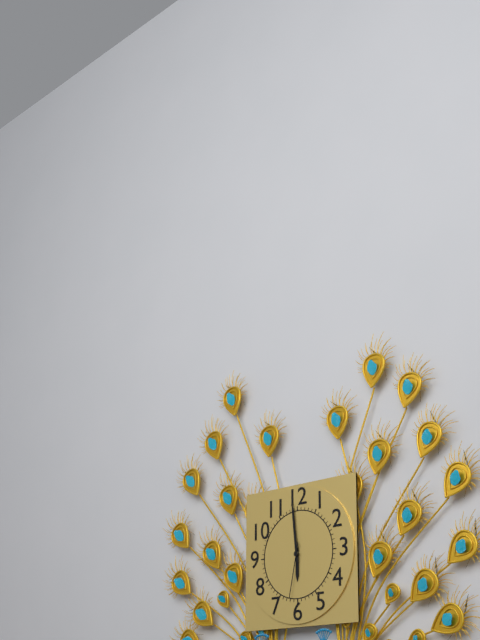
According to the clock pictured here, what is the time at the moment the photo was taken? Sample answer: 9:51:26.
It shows 5:59:32
